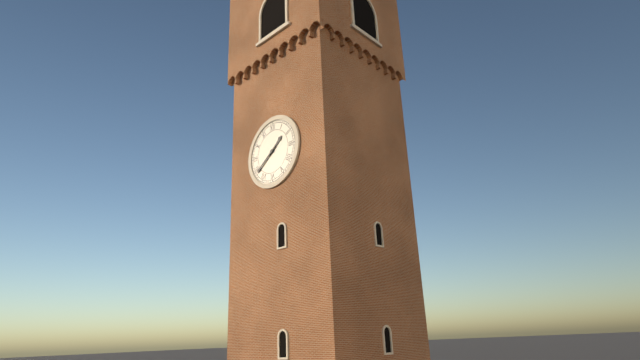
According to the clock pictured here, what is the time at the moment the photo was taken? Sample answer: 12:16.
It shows 1:39
